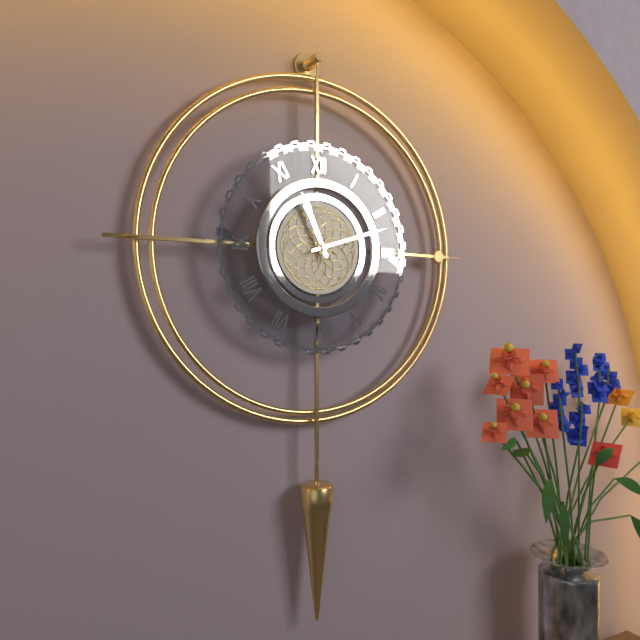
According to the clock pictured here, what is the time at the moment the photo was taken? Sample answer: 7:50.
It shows 11:12
